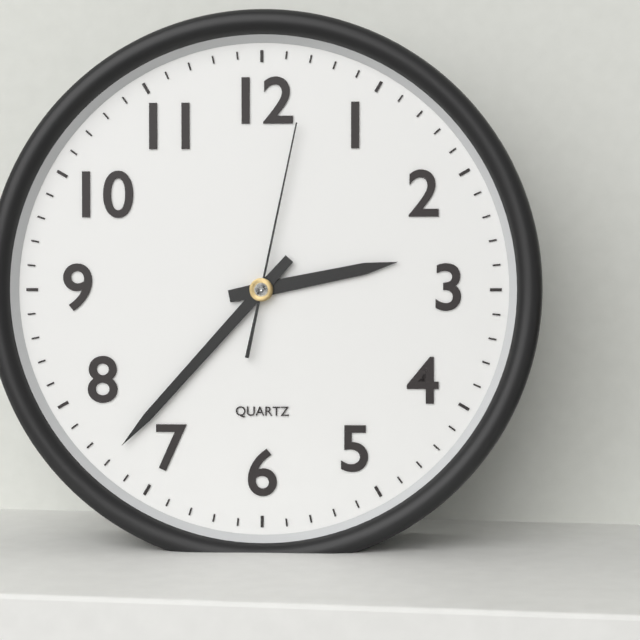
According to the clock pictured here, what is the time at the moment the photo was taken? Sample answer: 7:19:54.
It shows 2:37:02
